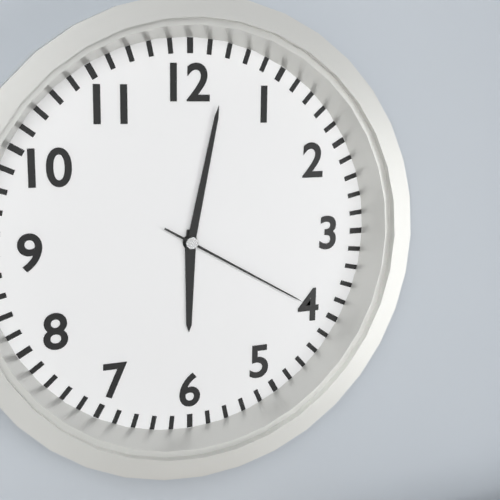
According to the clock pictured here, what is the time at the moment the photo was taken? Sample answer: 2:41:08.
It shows 6:02:20
